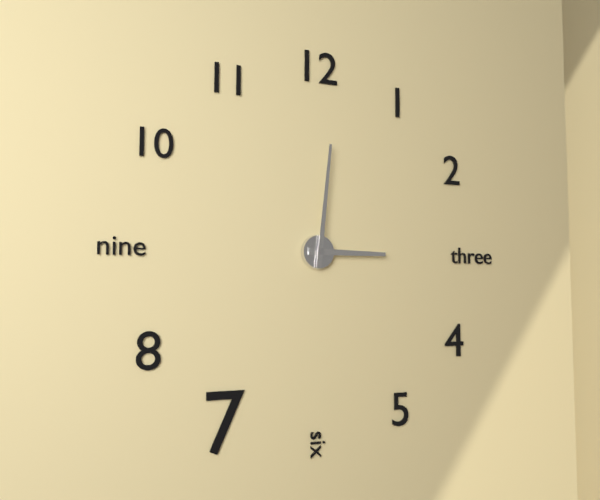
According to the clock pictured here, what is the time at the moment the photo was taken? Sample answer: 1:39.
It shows 3:01
